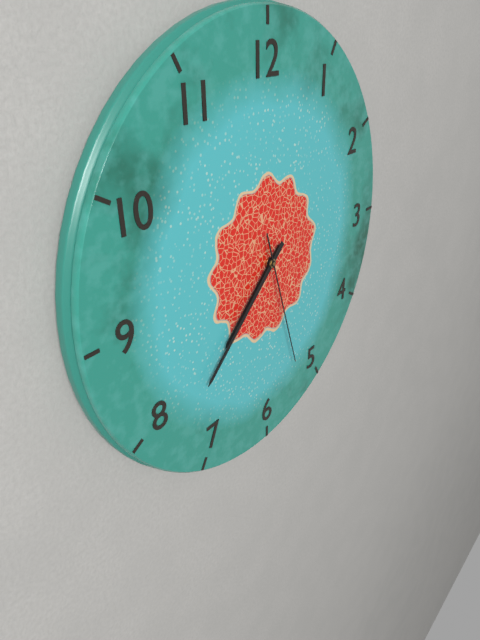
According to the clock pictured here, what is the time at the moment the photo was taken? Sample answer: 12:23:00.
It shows 7:38:27
